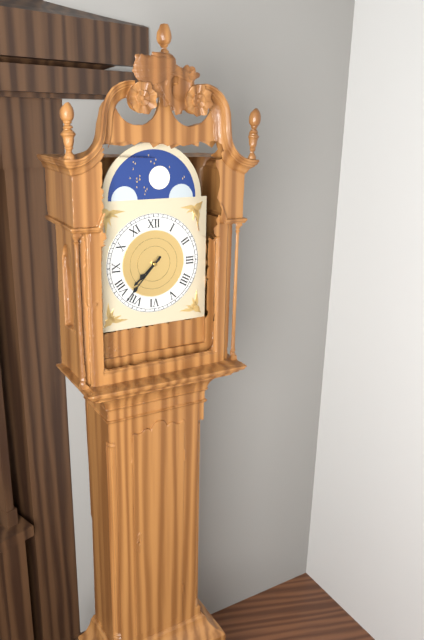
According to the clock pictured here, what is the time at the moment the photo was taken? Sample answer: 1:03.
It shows 7:37
